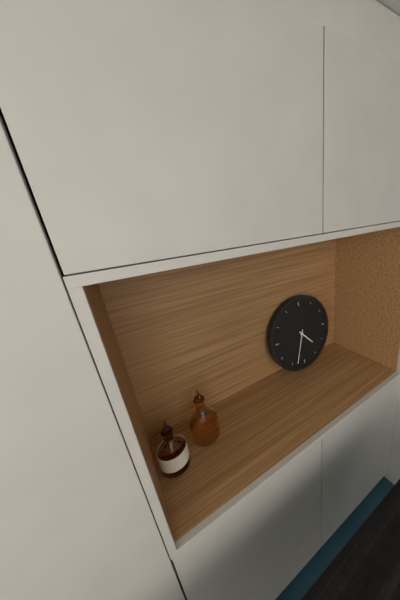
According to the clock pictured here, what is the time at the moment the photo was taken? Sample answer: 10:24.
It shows 4:33
